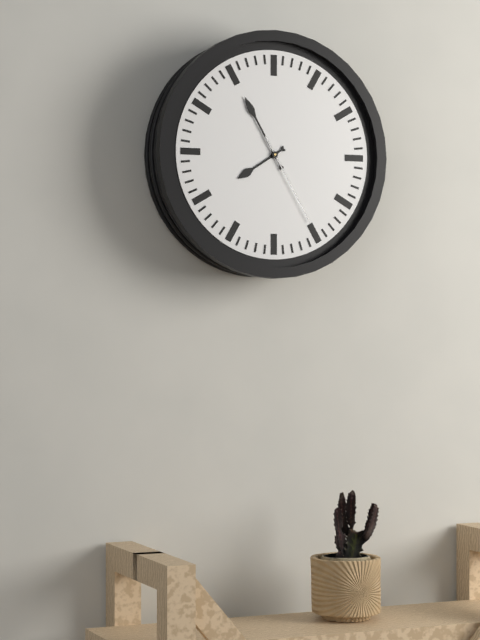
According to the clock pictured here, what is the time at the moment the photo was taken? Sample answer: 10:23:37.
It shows 7:55:25
